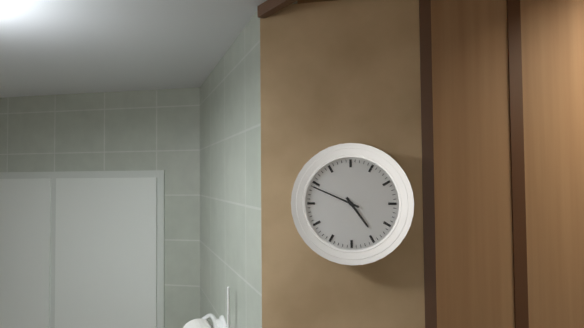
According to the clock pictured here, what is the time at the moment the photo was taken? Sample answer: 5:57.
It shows 4:49
